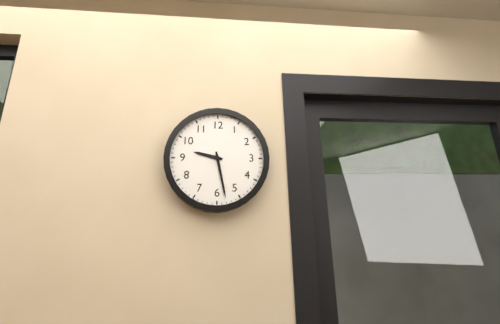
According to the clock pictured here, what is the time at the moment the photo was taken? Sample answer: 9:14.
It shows 9:28
